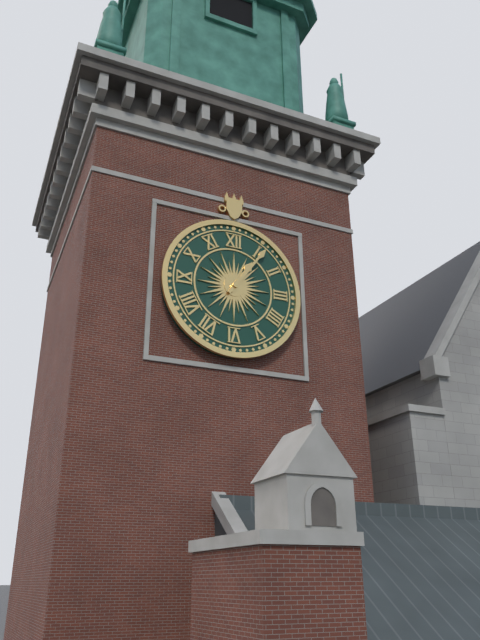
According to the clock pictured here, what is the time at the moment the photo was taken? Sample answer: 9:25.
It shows 1:06
